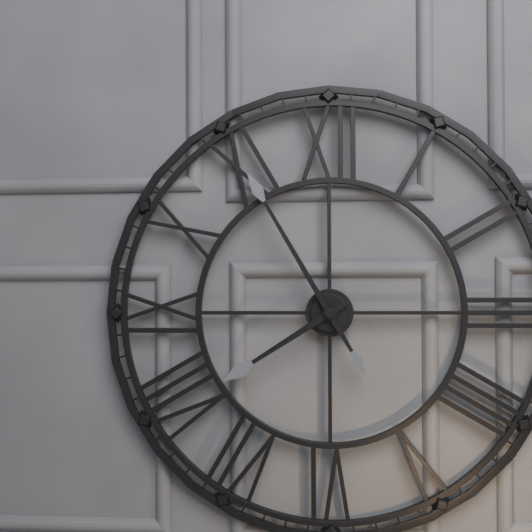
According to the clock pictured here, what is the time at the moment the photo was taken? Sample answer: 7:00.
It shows 7:55
